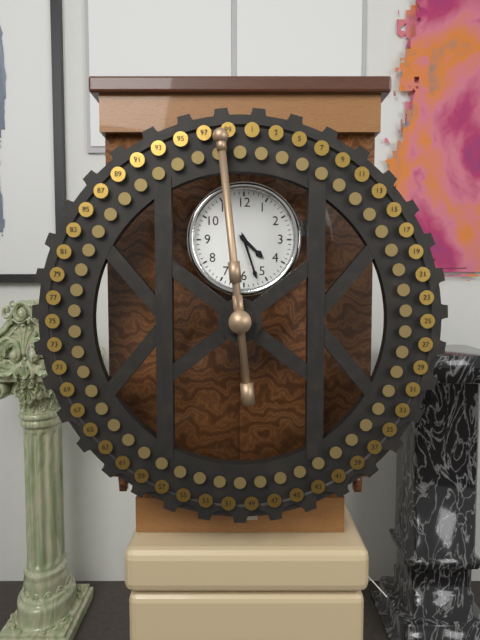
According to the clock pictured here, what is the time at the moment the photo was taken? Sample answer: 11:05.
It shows 4:27
